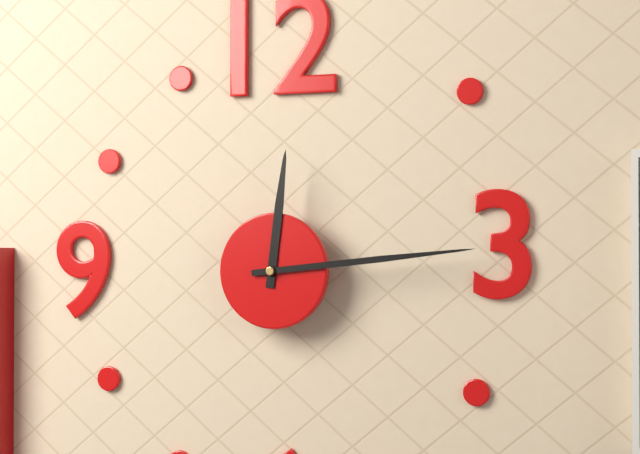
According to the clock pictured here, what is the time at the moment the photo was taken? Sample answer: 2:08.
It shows 12:14
